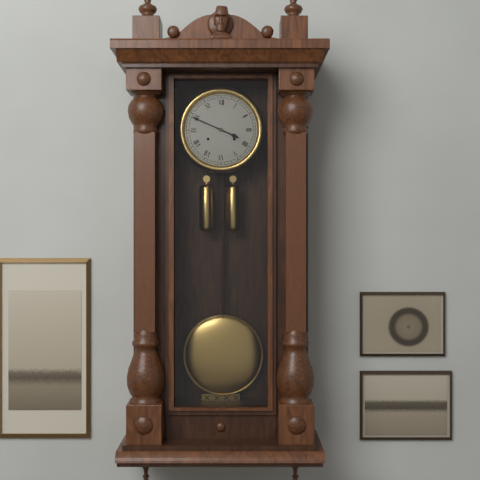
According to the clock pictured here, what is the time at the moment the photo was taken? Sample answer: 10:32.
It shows 3:49
